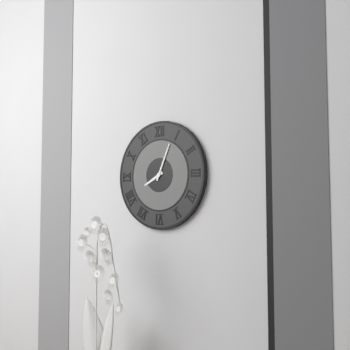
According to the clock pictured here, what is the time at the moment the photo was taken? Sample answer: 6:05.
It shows 8:04
